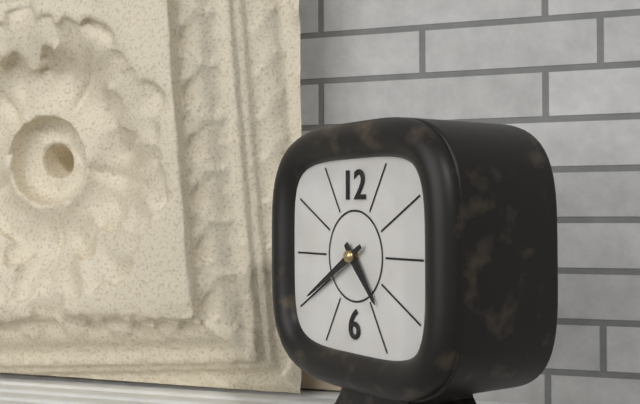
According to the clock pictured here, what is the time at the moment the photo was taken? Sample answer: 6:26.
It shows 4:40
